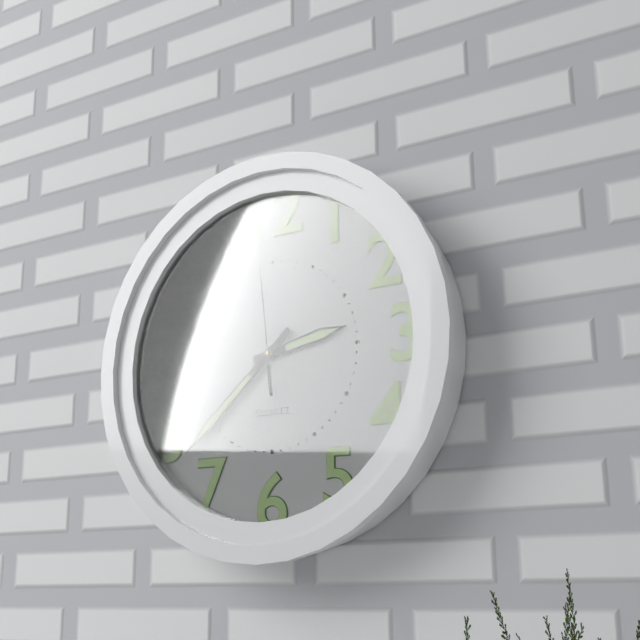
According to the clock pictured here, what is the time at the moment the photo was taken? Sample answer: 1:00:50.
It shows 2:38:59
